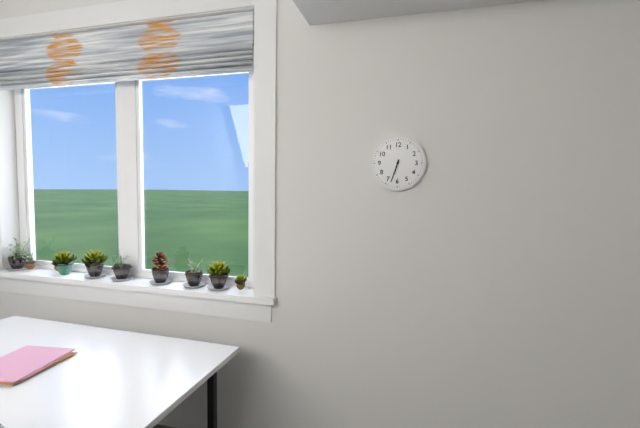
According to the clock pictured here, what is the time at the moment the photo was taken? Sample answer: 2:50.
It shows 6:33
